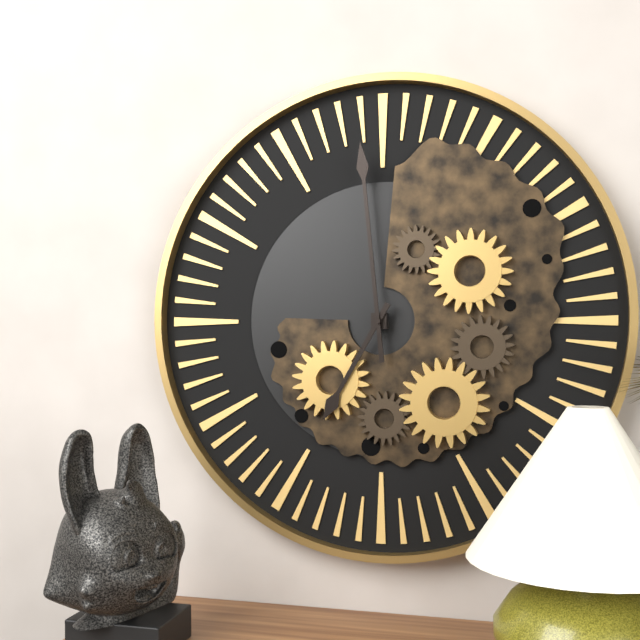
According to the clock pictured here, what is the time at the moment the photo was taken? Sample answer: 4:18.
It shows 6:59
